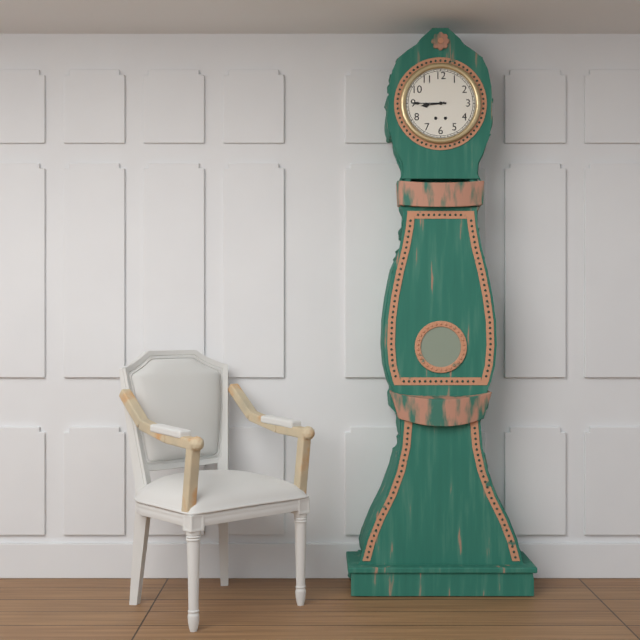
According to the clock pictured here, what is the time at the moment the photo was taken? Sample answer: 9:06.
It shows 8:45
